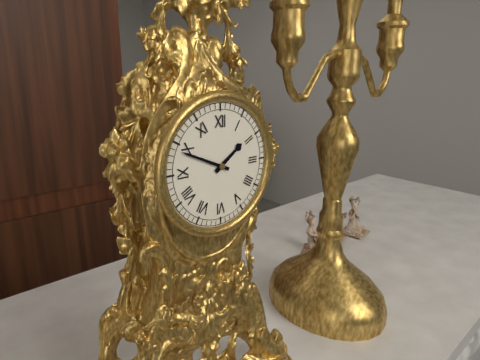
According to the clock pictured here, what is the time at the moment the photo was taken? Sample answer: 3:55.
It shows 1:49
